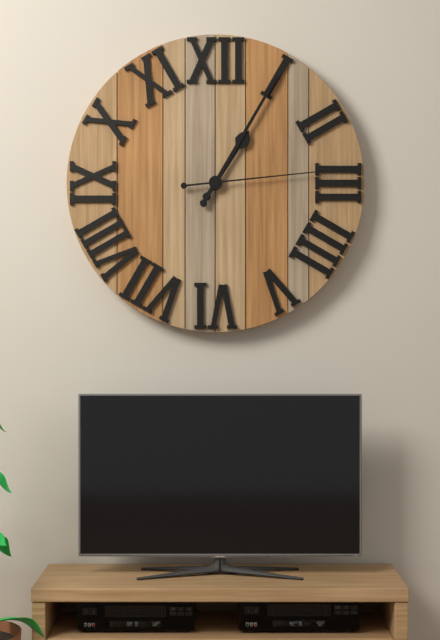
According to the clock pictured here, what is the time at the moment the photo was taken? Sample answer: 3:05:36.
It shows 1:05:14
